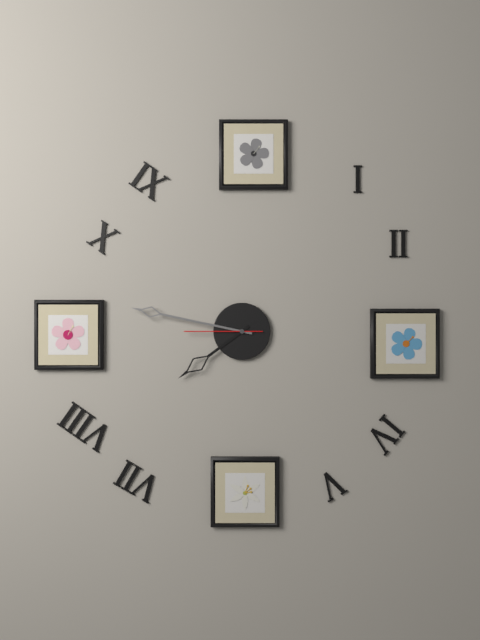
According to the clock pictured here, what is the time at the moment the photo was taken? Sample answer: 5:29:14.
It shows 7:47:45
